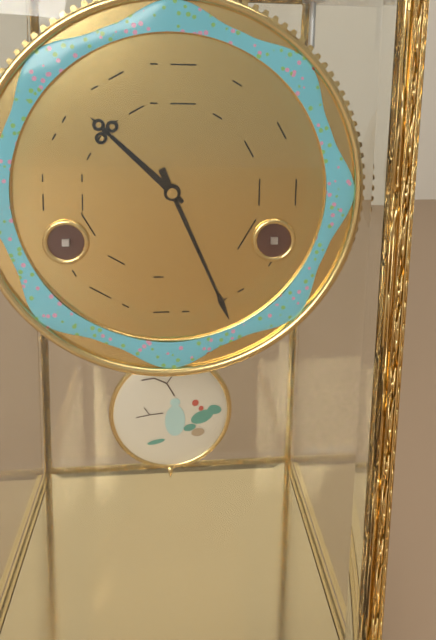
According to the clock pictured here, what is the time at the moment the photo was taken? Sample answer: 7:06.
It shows 10:26
